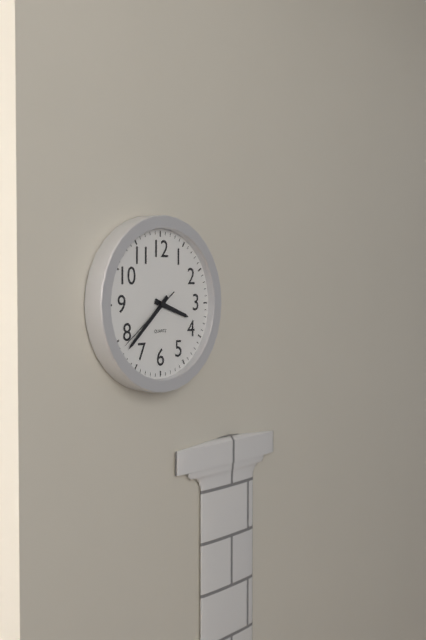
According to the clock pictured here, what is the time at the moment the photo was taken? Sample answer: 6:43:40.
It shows 3:38:39
